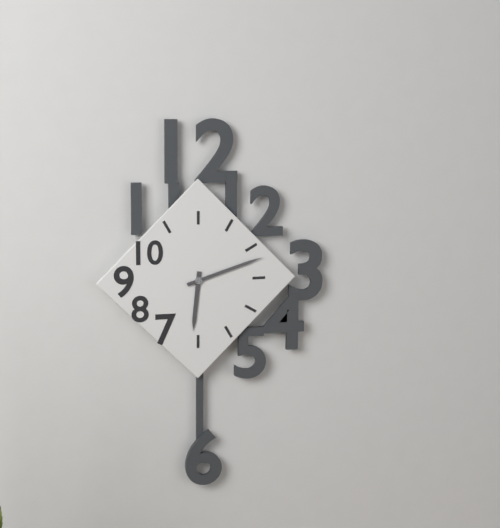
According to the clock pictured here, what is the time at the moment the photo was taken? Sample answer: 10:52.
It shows 6:12
